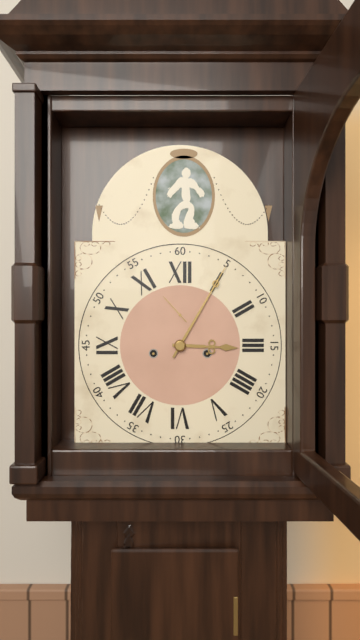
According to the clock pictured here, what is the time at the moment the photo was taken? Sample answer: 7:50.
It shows 3:05
